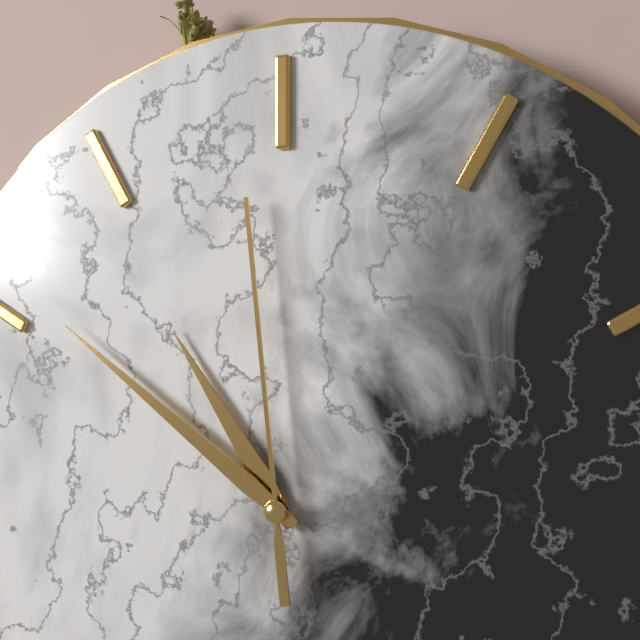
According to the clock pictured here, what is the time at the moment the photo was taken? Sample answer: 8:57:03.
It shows 10:51:59
